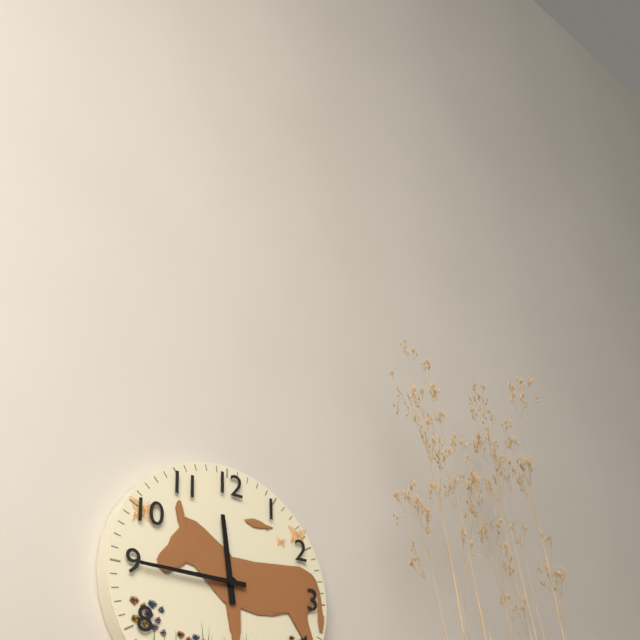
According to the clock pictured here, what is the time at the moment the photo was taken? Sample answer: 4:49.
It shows 11:45
